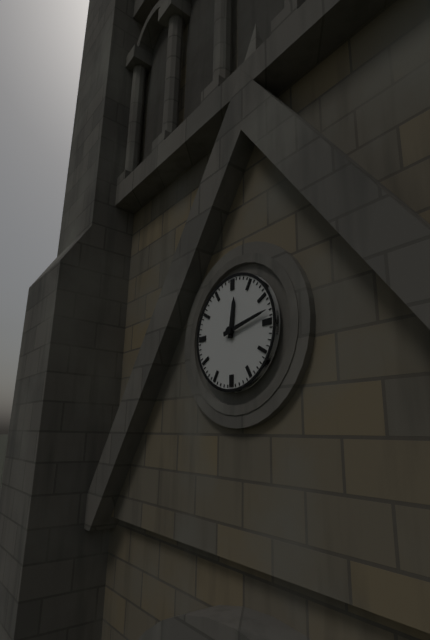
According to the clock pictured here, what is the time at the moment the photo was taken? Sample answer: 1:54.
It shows 12:13
